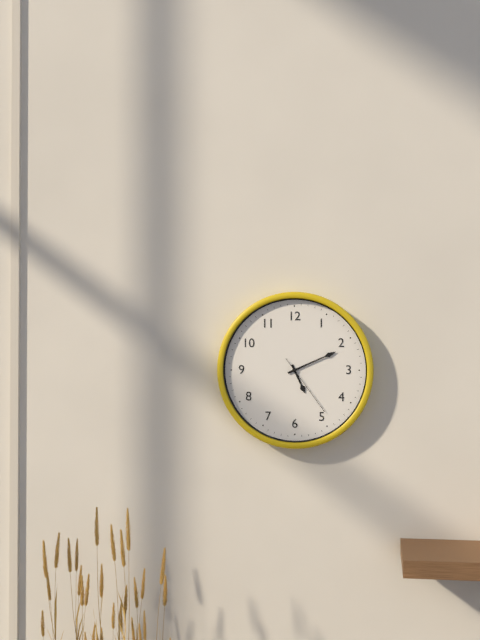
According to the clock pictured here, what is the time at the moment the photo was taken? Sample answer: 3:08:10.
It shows 5:11:24
